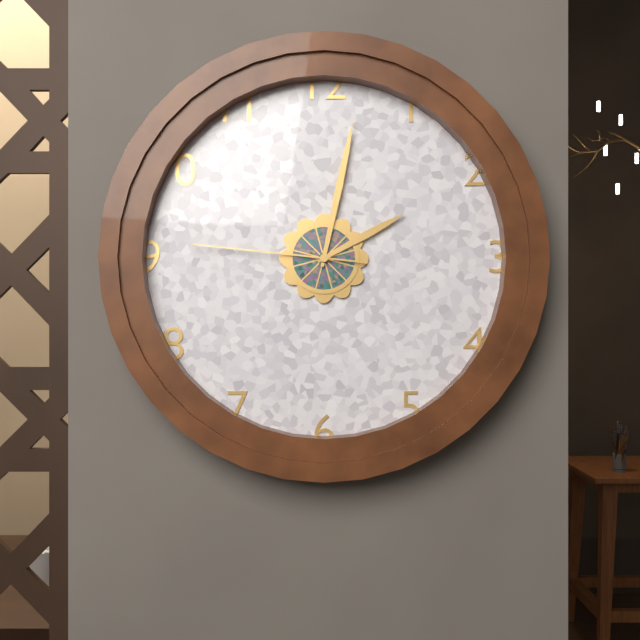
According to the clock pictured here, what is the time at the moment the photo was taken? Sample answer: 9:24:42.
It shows 2:02:46
